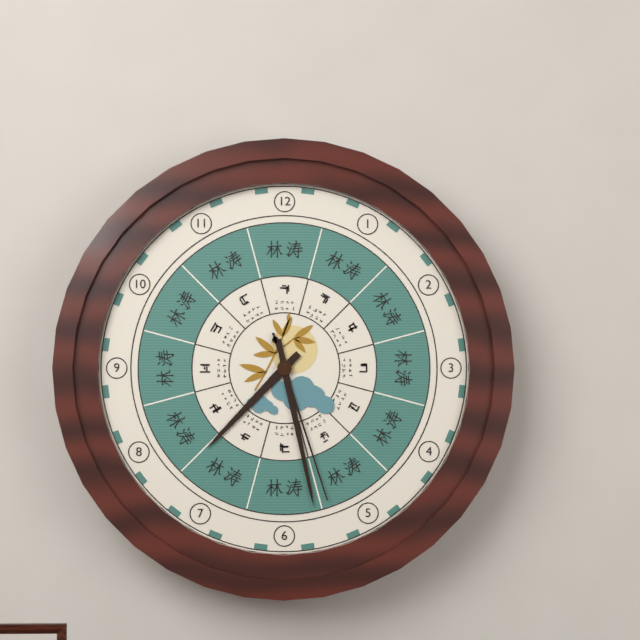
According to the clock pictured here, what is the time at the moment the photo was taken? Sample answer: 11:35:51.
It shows 7:28:27
